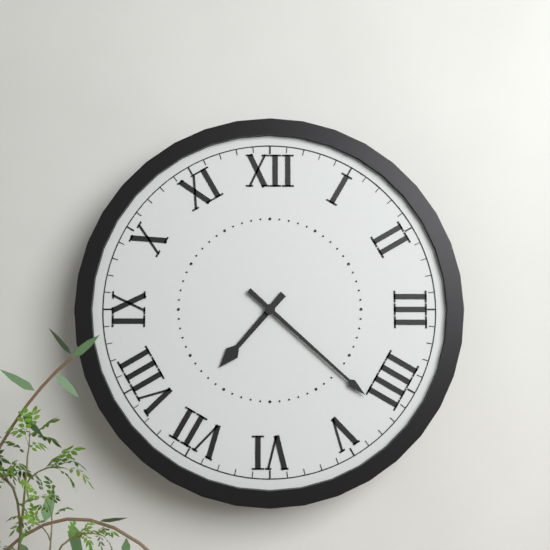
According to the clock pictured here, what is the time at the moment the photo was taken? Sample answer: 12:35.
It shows 7:22
